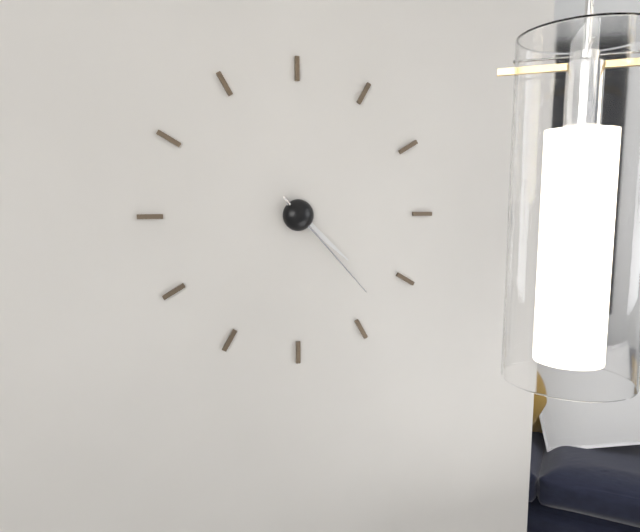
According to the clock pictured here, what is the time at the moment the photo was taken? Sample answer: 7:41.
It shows 4:23
